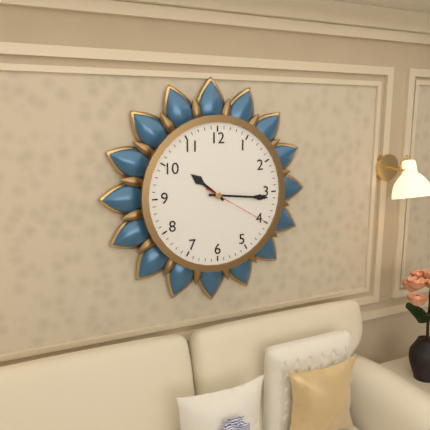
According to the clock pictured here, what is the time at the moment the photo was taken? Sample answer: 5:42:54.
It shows 10:16:20
